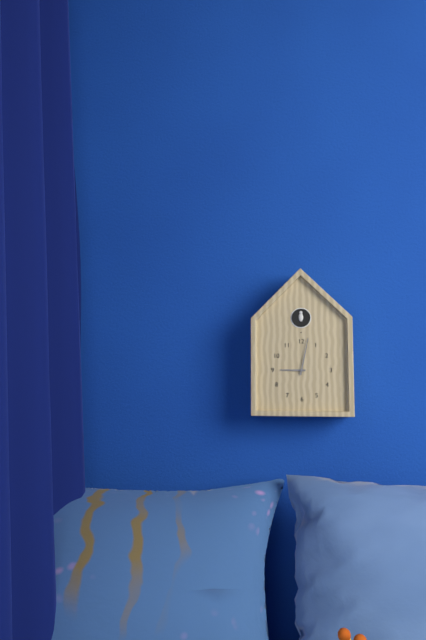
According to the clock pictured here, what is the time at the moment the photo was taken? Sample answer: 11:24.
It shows 9:02
